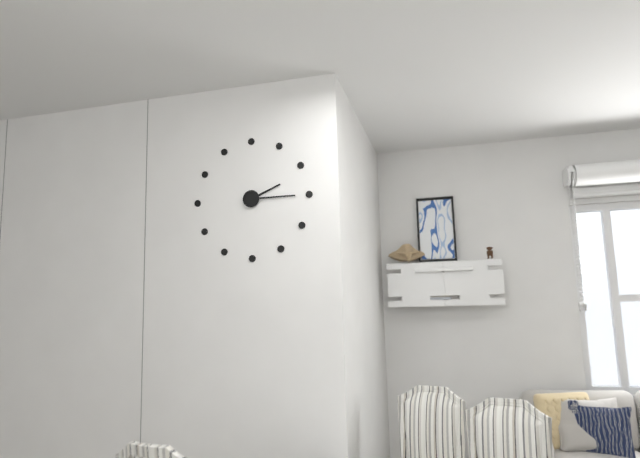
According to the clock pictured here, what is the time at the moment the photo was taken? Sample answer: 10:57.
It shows 2:15
